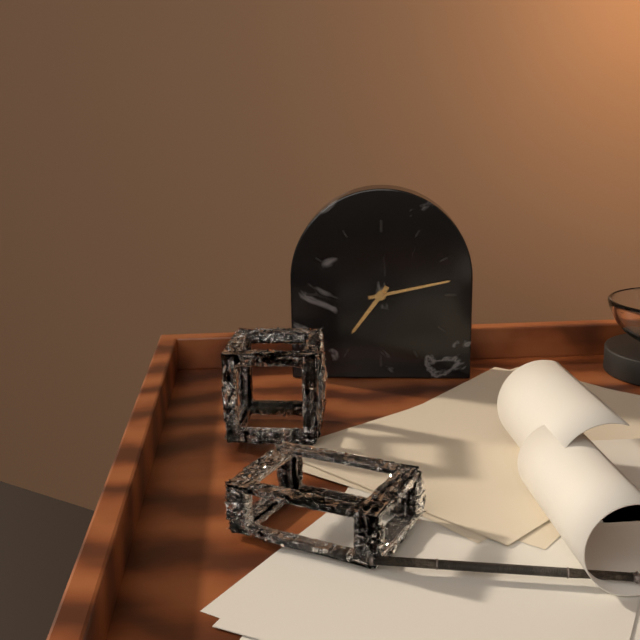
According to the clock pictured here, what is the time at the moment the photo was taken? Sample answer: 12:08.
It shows 7:13
